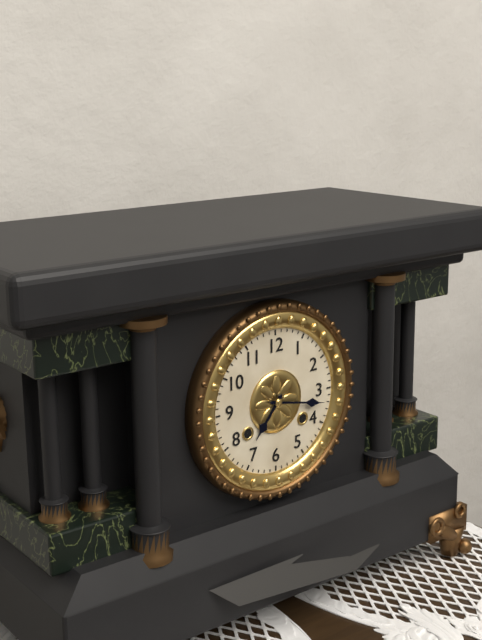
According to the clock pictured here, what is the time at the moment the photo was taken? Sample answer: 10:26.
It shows 7:17
